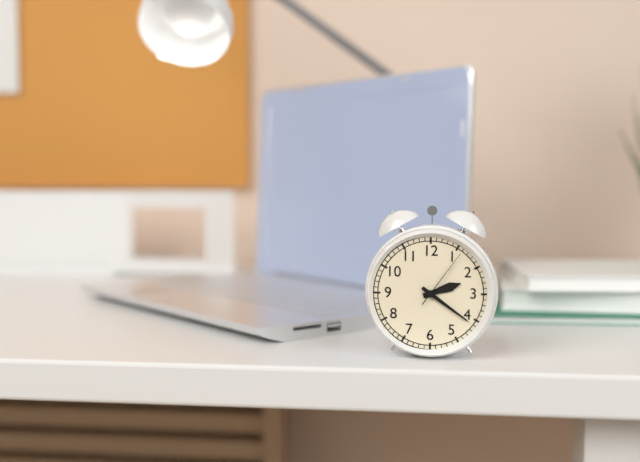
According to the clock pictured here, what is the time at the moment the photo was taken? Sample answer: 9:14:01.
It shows 2:21:06
